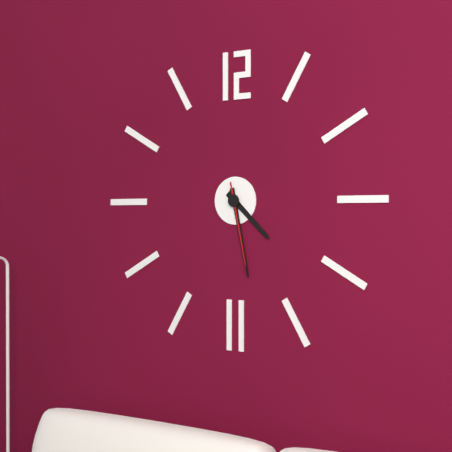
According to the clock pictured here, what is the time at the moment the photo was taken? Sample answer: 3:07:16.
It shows 4:28:28
